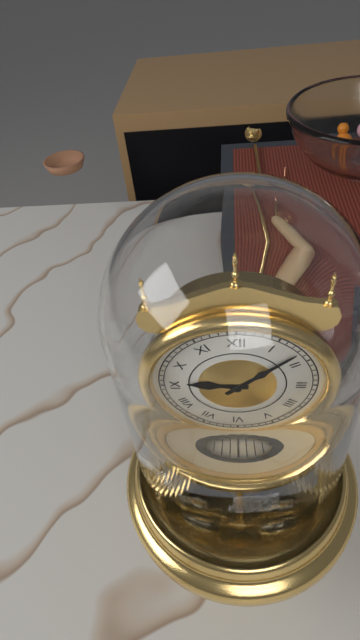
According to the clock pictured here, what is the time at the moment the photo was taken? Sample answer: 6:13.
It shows 9:08
